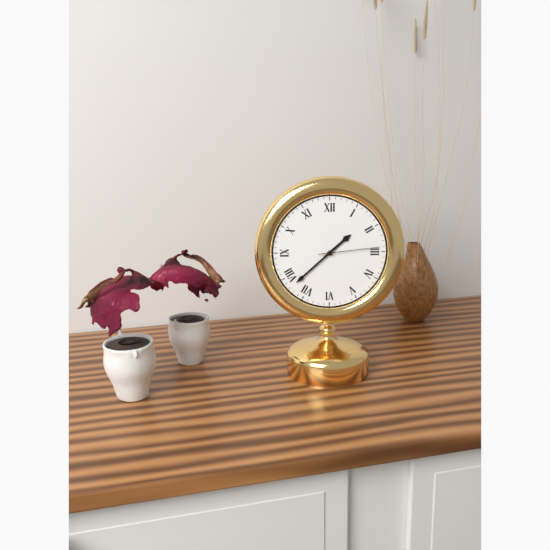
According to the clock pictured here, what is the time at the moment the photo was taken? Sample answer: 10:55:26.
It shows 1:38:14
